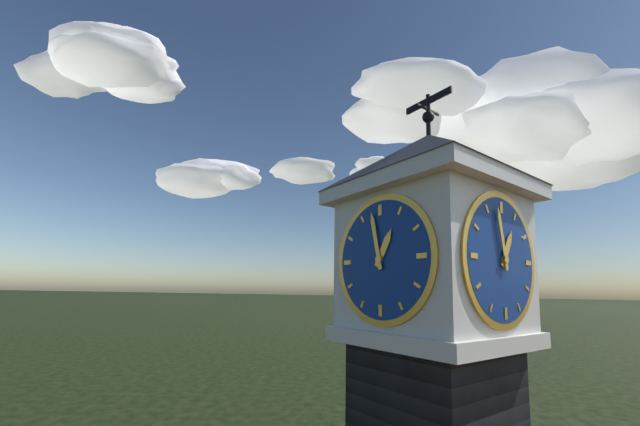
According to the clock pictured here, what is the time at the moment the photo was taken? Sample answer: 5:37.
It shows 12:58
